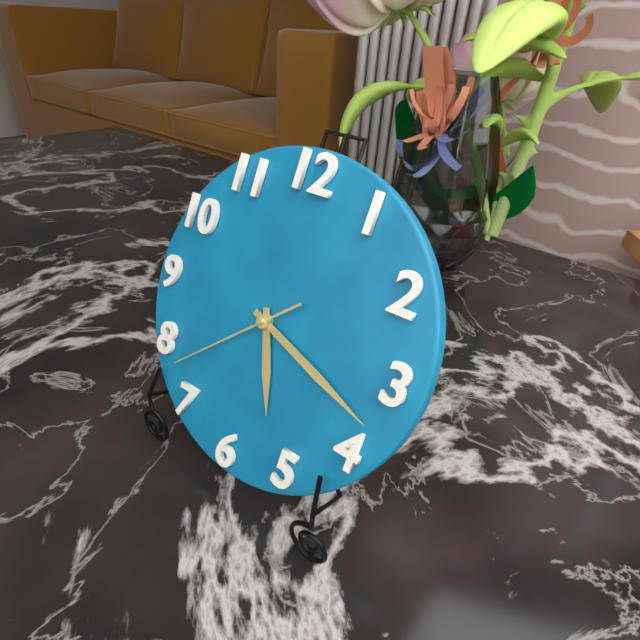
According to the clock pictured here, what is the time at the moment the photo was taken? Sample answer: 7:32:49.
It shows 5:18:38
